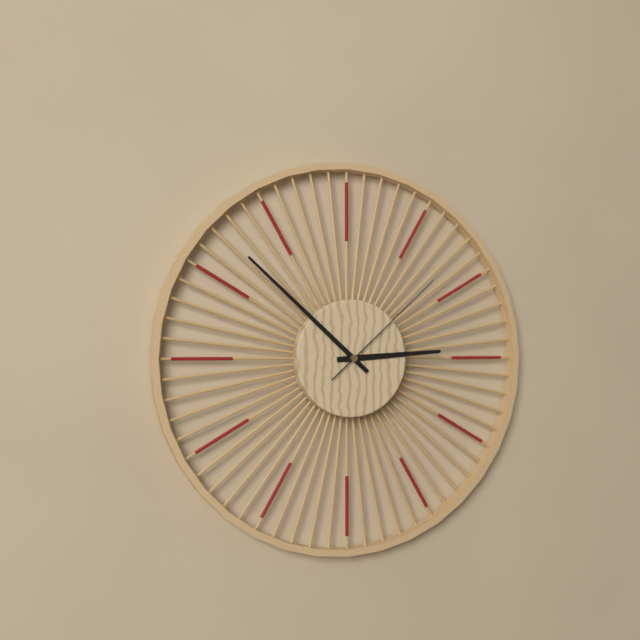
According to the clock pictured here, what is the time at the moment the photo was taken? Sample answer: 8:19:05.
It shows 2:52:08
